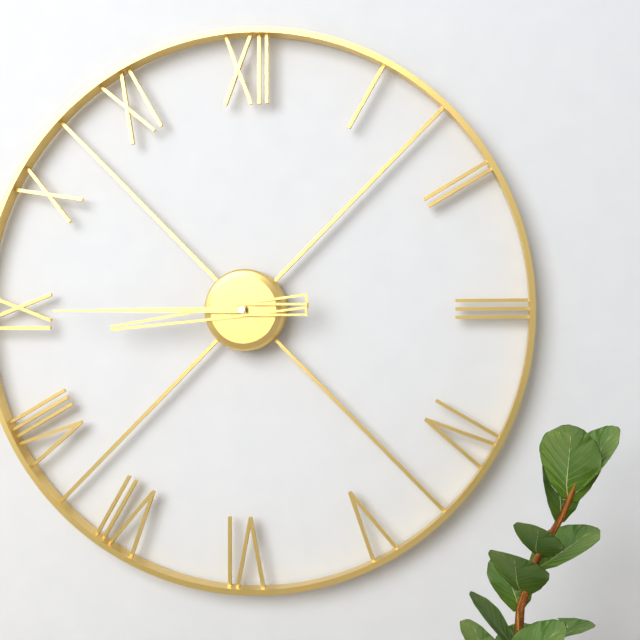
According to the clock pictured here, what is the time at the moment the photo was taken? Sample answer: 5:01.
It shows 8:45
